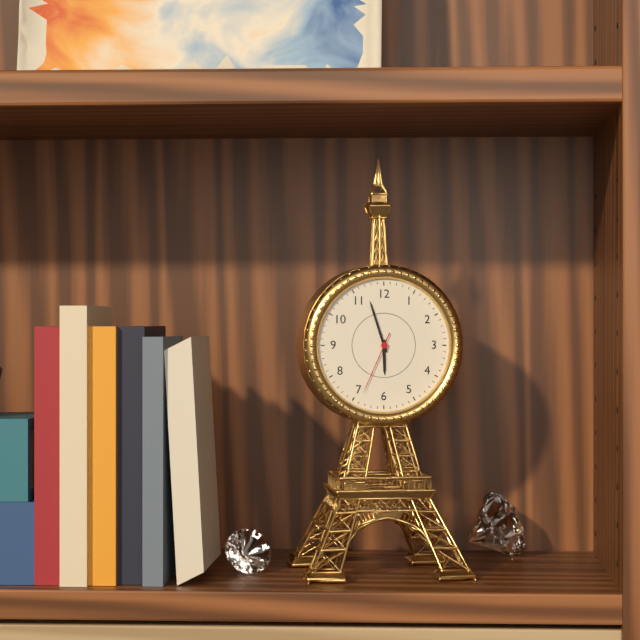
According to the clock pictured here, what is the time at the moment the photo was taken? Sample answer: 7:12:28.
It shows 5:57:34
